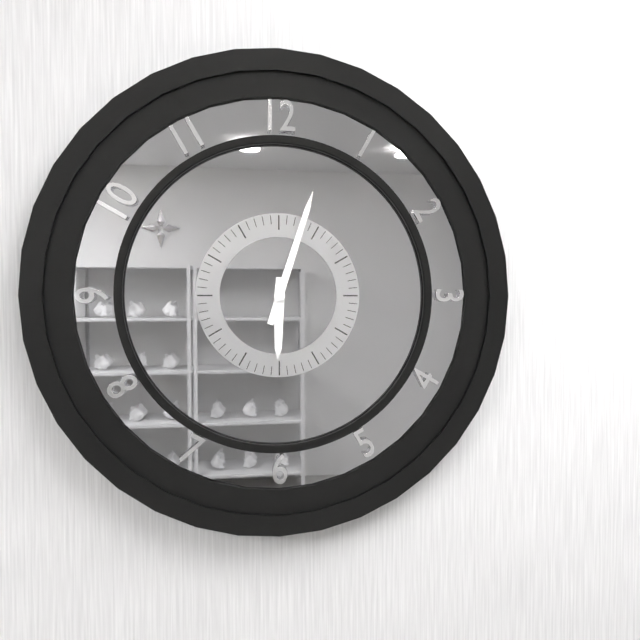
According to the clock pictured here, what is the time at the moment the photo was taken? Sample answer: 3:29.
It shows 6:03
